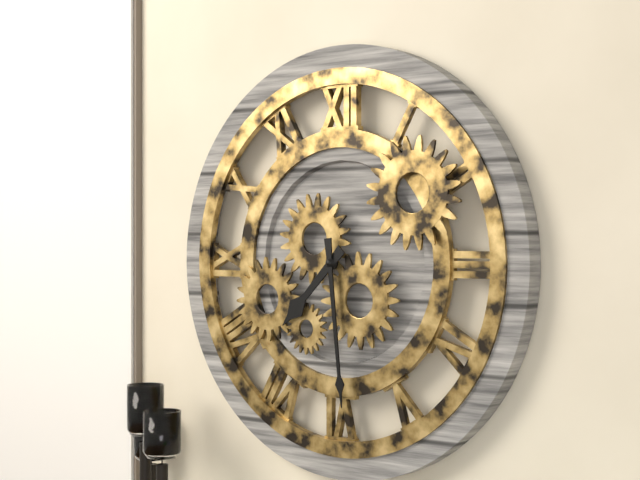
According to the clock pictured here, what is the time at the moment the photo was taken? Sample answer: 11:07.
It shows 7:29
